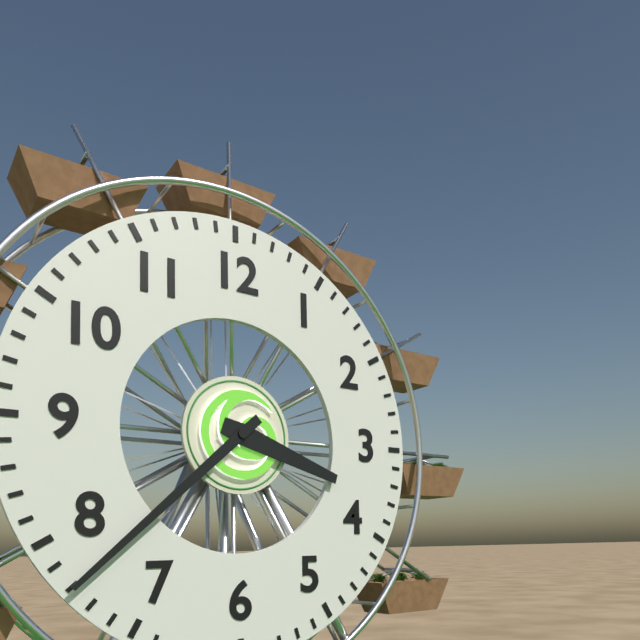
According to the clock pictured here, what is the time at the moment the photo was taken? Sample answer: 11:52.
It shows 3:38
